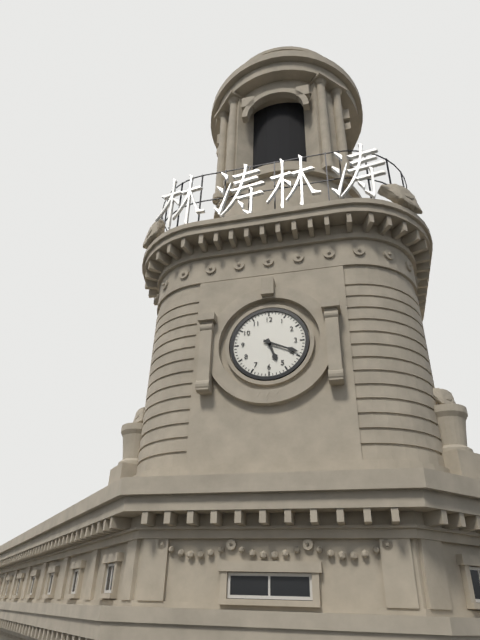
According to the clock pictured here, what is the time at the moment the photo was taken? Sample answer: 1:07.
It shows 5:19
